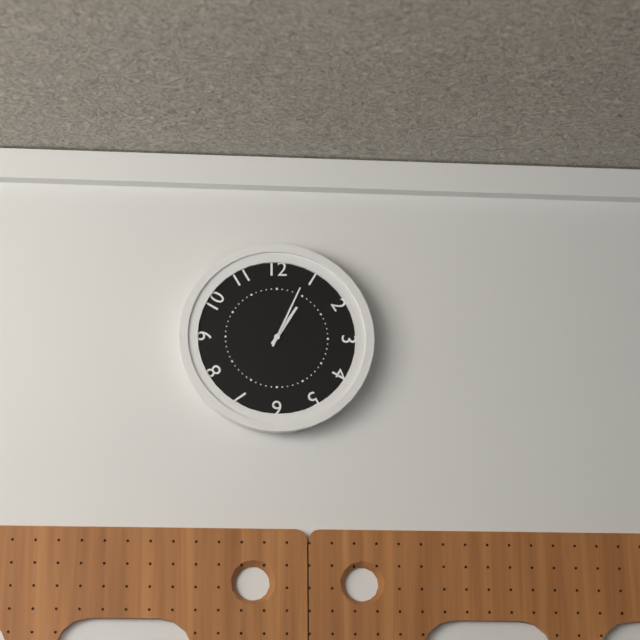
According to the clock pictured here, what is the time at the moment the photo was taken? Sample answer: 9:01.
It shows 1:04
